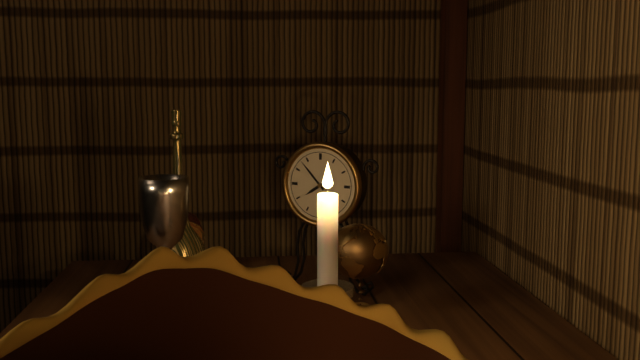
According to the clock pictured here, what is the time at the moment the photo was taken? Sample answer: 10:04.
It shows 7:53
